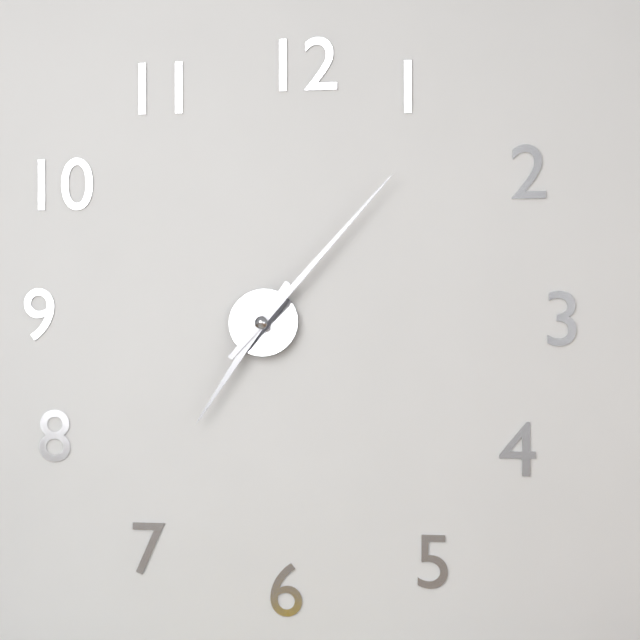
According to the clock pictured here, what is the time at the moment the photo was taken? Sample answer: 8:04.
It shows 7:07
